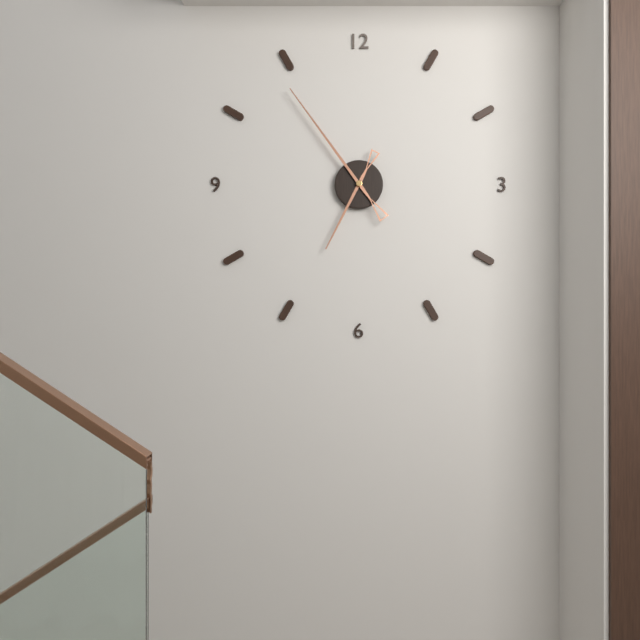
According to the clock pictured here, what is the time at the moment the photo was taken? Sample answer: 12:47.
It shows 6:54
